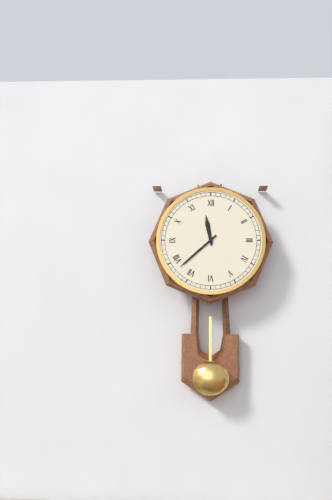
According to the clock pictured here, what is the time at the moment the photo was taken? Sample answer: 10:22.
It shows 11:38
